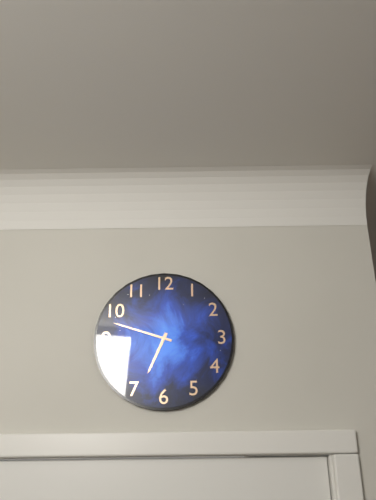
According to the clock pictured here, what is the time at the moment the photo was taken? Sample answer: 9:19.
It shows 6:48
